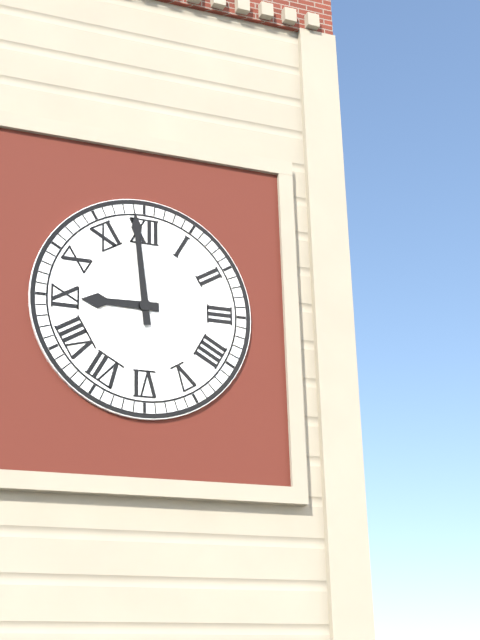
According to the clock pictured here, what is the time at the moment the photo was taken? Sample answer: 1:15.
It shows 8:59
